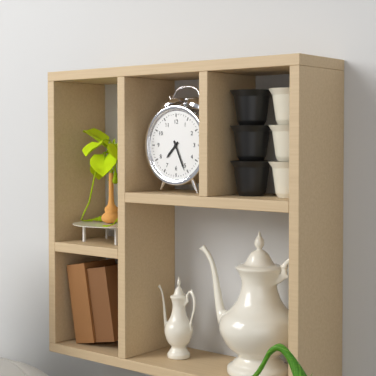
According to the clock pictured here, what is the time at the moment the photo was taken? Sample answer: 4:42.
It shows 7:26
